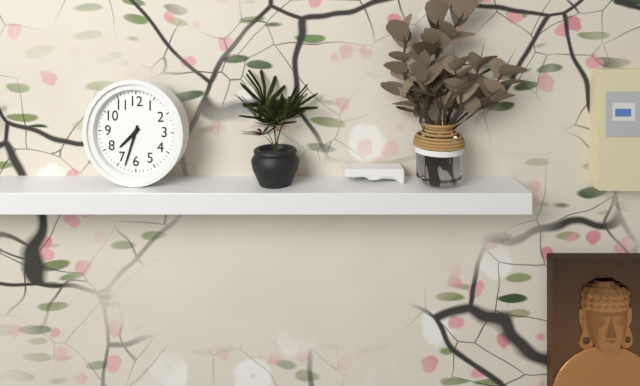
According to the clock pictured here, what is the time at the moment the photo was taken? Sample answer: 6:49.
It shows 7:33
